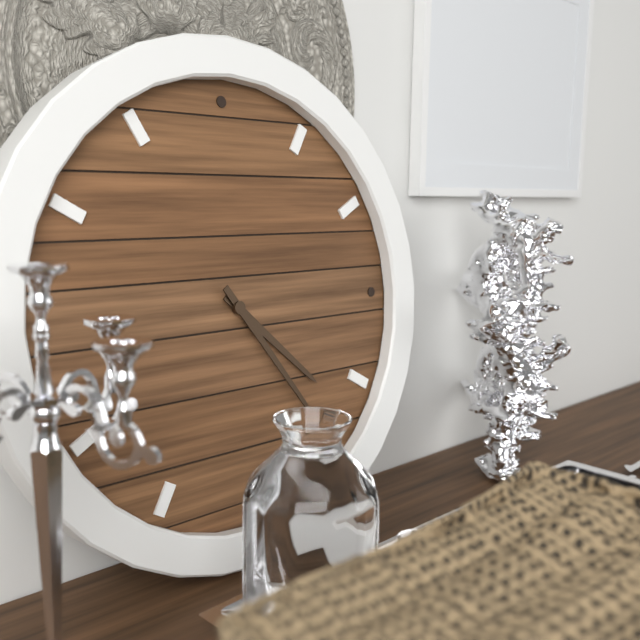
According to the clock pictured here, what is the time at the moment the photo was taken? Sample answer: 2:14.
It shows 4:24
